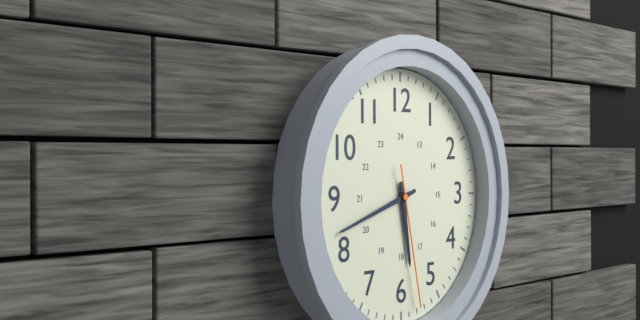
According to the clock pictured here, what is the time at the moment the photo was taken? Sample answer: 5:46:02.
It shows 5:42:28
